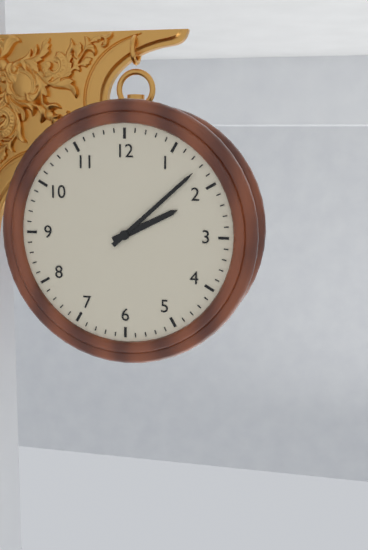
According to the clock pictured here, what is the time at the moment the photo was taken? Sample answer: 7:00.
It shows 2:08
